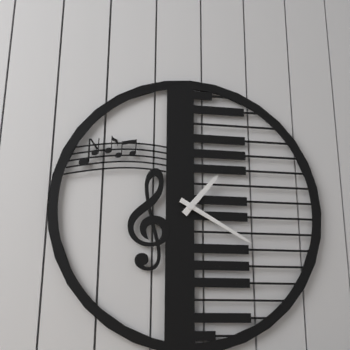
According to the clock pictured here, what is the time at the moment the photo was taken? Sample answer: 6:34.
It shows 1:20
